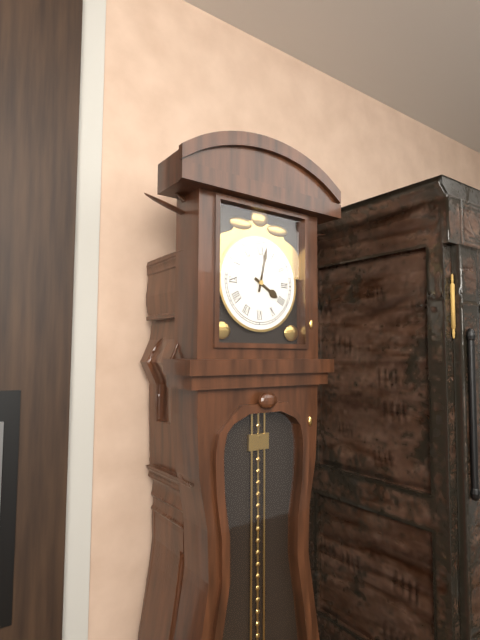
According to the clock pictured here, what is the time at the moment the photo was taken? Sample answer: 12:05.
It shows 4:02
